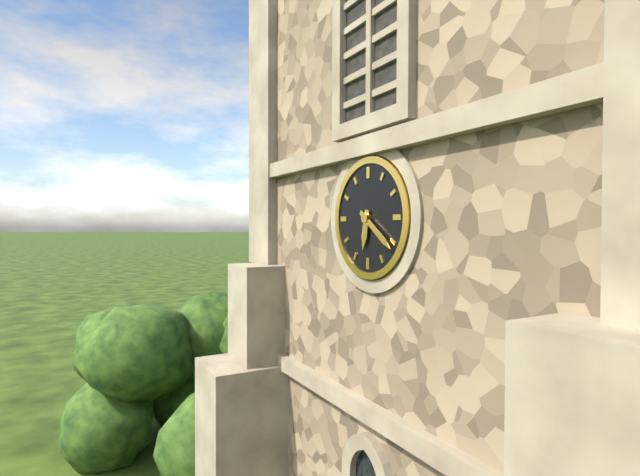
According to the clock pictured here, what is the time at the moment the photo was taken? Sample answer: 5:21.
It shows 6:21
